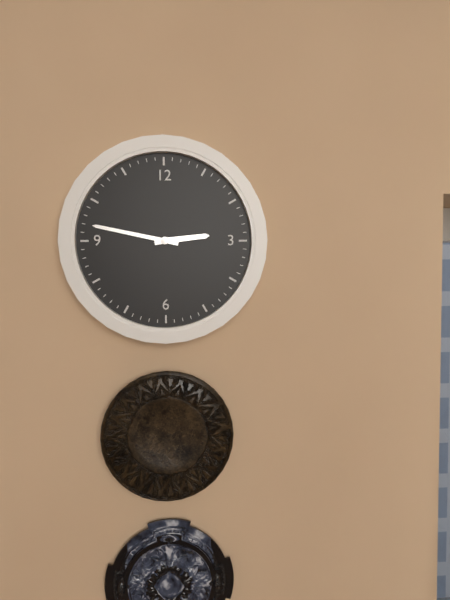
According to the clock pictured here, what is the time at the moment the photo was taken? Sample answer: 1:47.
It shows 2:47
